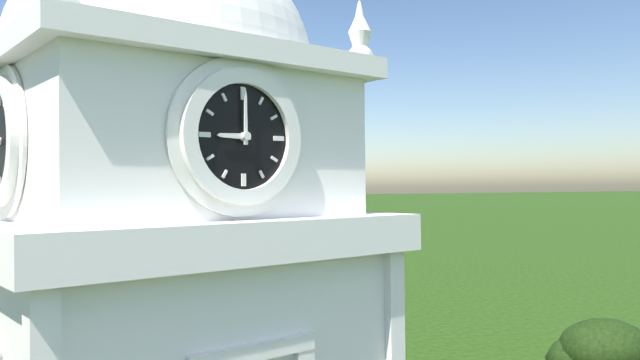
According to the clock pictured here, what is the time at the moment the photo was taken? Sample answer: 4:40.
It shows 9:00
